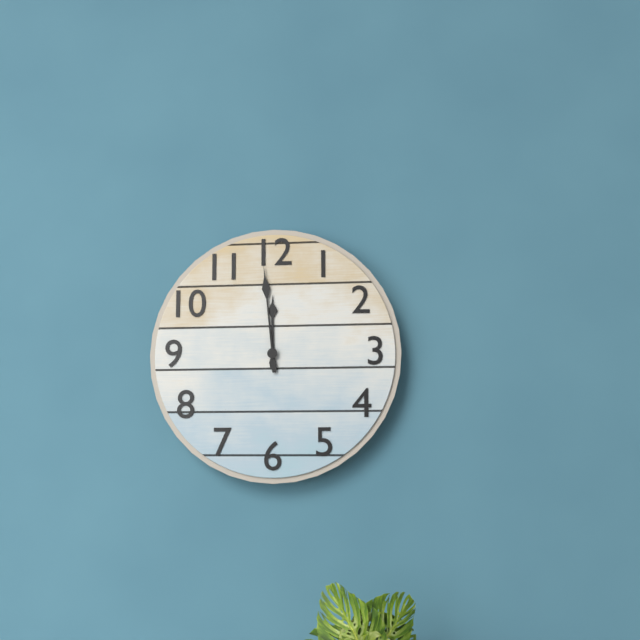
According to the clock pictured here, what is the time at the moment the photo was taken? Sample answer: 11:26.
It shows 11:59
